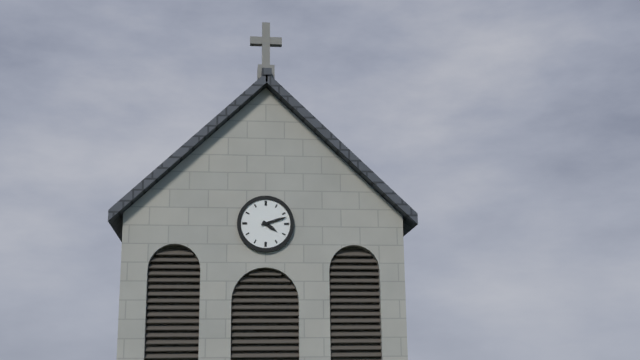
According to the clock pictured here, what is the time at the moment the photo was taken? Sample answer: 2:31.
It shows 4:12
